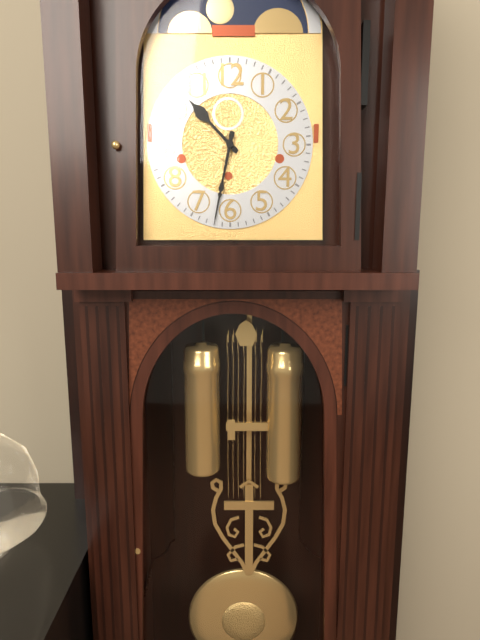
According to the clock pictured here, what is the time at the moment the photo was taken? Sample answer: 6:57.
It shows 10:32
